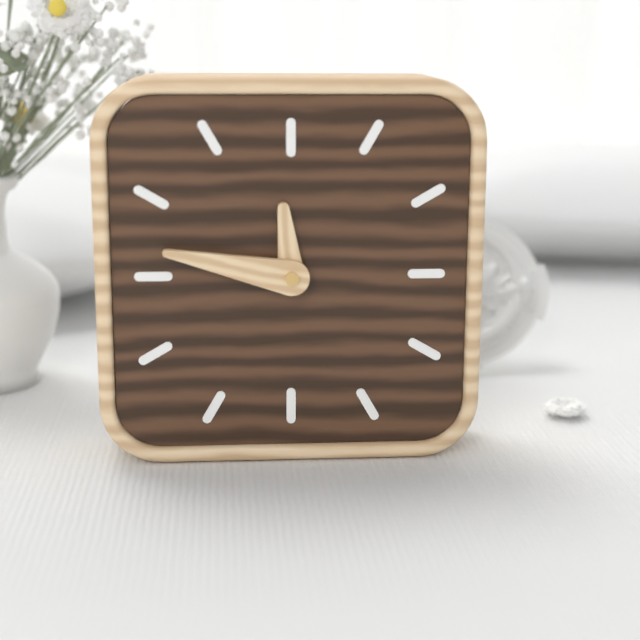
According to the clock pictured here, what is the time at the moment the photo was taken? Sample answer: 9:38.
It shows 11:47
